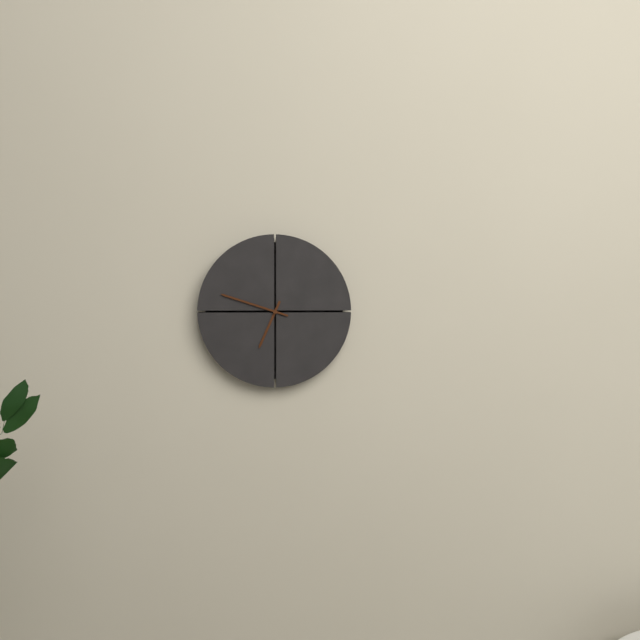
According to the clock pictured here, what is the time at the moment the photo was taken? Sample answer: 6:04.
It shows 6:48
